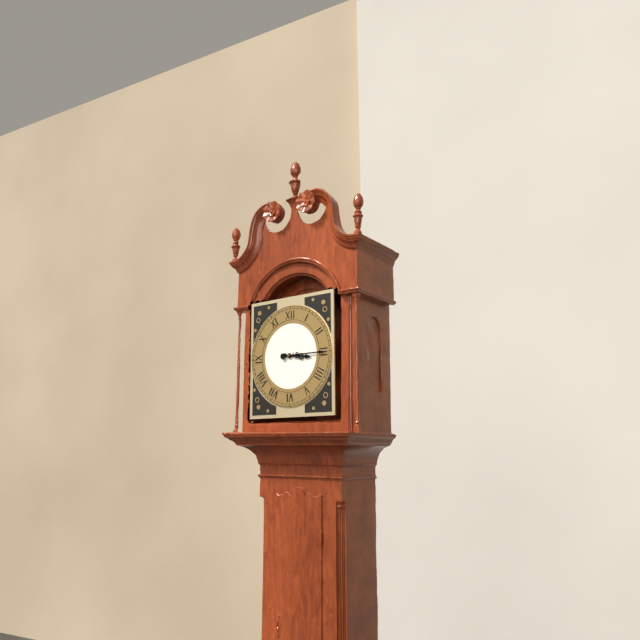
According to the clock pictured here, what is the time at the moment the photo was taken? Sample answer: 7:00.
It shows 3:15
